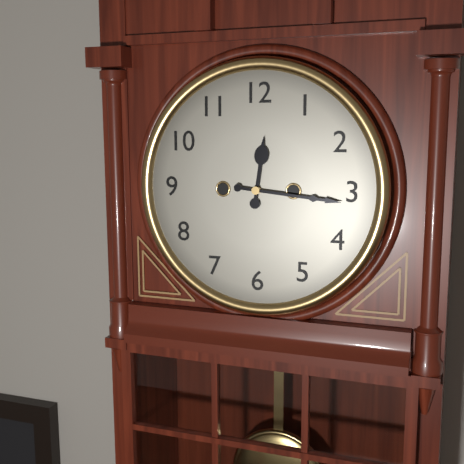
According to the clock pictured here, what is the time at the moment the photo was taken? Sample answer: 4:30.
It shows 12:16
